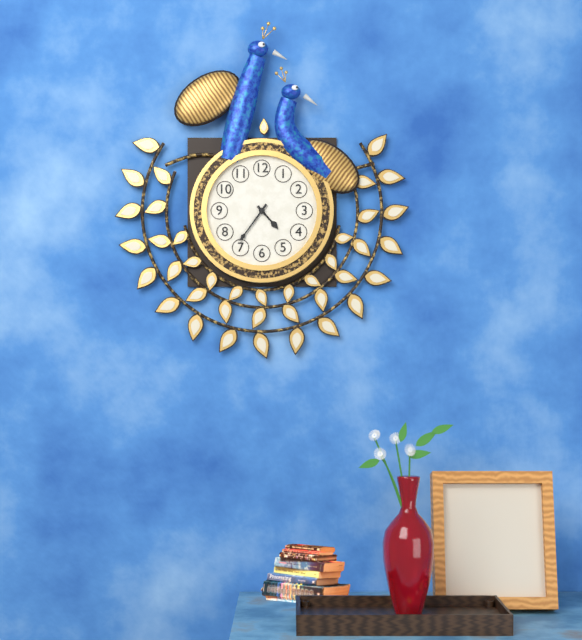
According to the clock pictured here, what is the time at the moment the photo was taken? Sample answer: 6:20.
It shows 4:36
